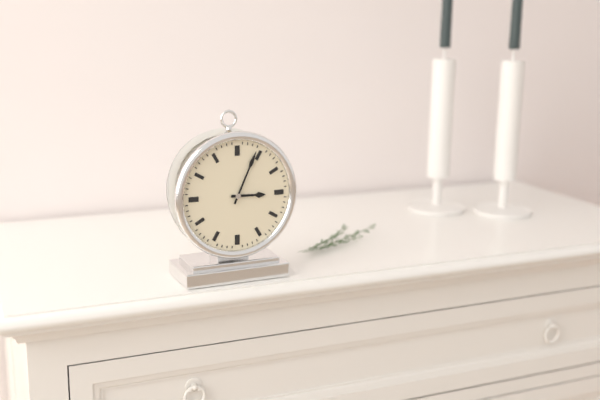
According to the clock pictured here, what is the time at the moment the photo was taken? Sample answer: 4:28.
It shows 3:04
